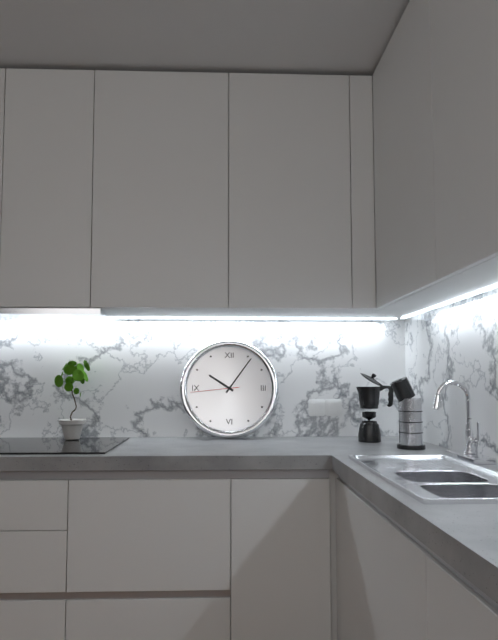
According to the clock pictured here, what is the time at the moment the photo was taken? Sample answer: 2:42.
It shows 10:06
